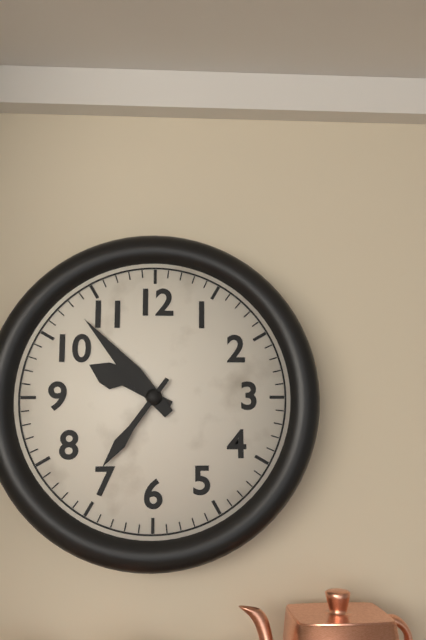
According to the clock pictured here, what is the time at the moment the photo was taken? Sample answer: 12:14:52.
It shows 9:53:36
